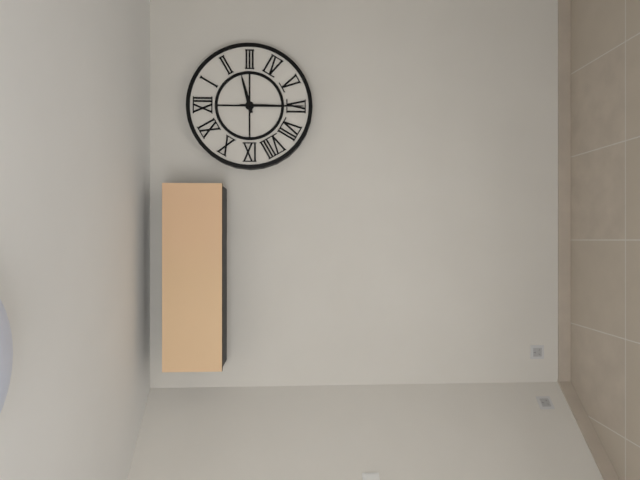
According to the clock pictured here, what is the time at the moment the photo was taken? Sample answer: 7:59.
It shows 2:30
